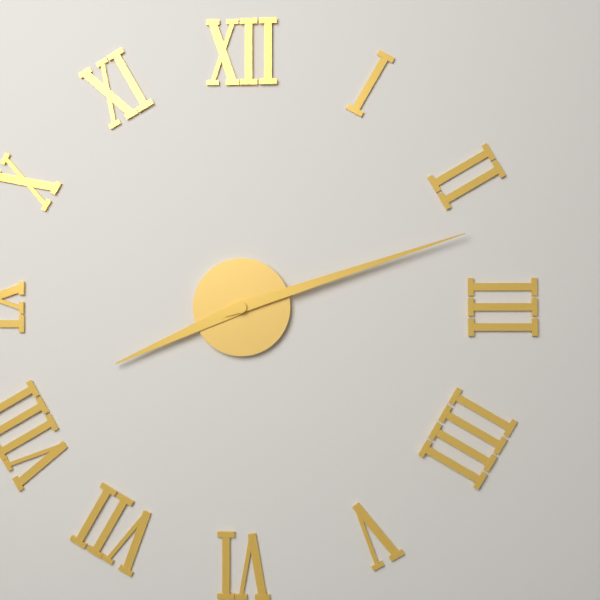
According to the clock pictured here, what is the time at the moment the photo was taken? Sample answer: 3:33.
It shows 8:12
